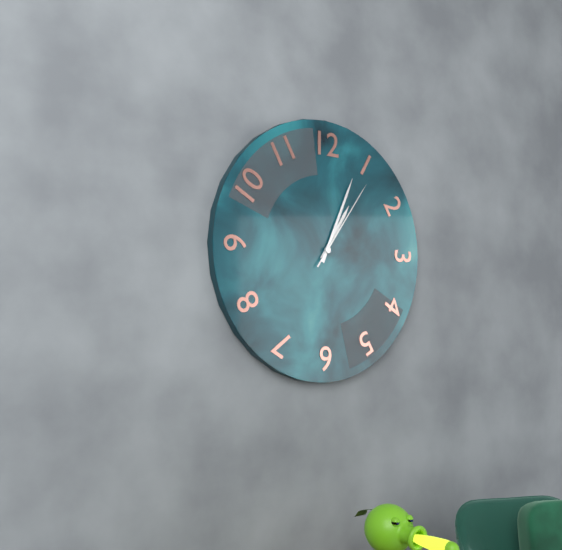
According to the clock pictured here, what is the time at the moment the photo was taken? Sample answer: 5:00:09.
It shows 1:04:06
